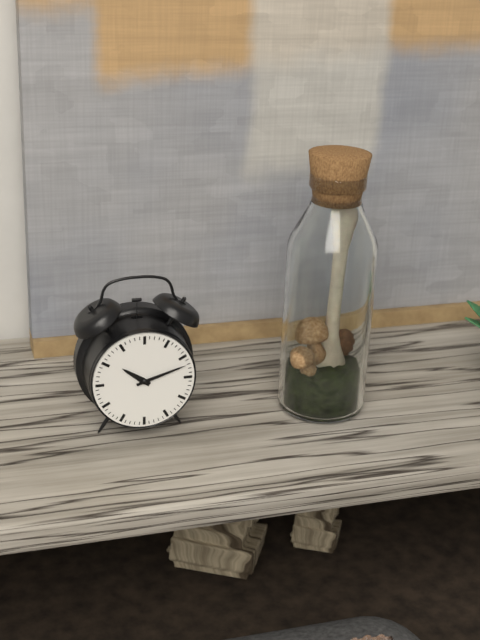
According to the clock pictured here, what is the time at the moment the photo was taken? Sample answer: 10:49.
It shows 10:12
